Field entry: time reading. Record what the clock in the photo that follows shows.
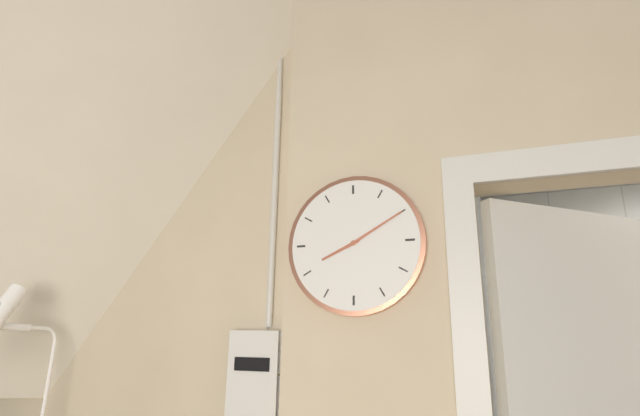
8:10
